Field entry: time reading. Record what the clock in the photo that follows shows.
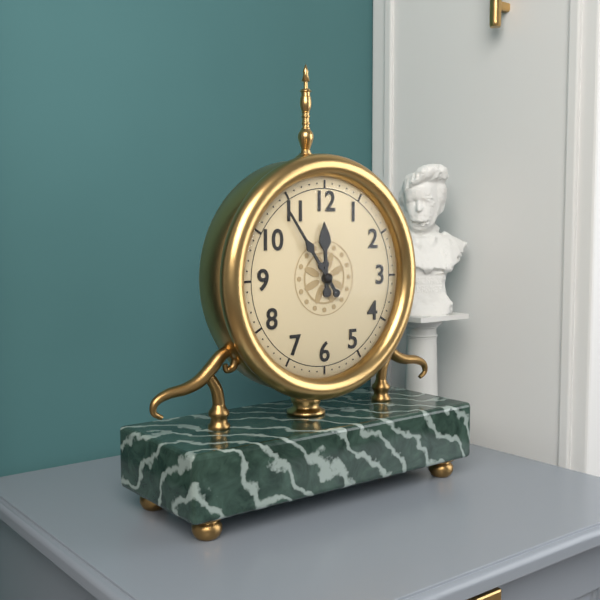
11:54
